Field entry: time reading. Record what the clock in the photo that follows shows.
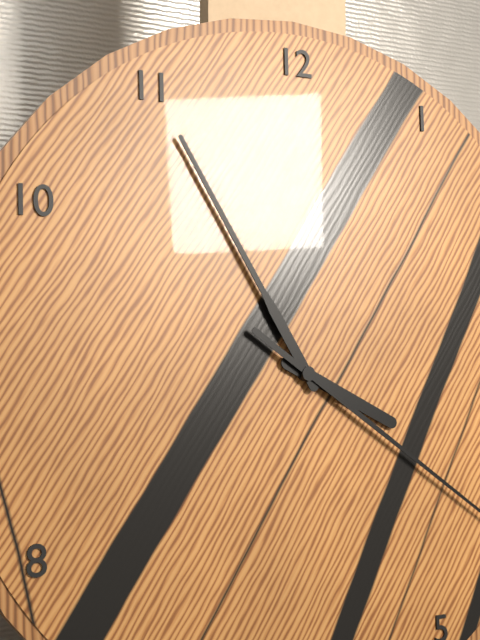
3:55
